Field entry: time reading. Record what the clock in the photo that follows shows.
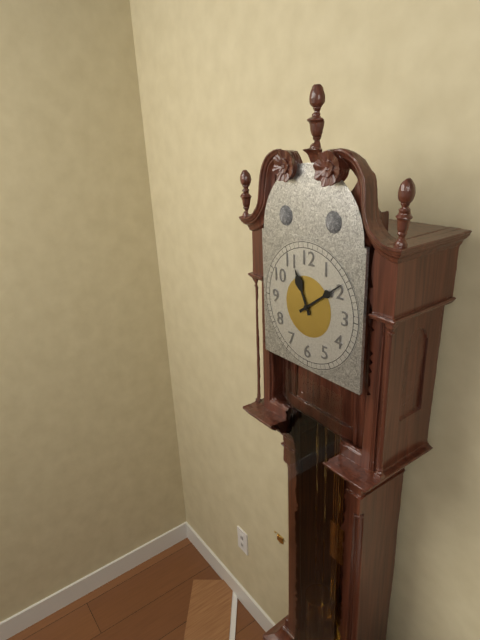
11:09
